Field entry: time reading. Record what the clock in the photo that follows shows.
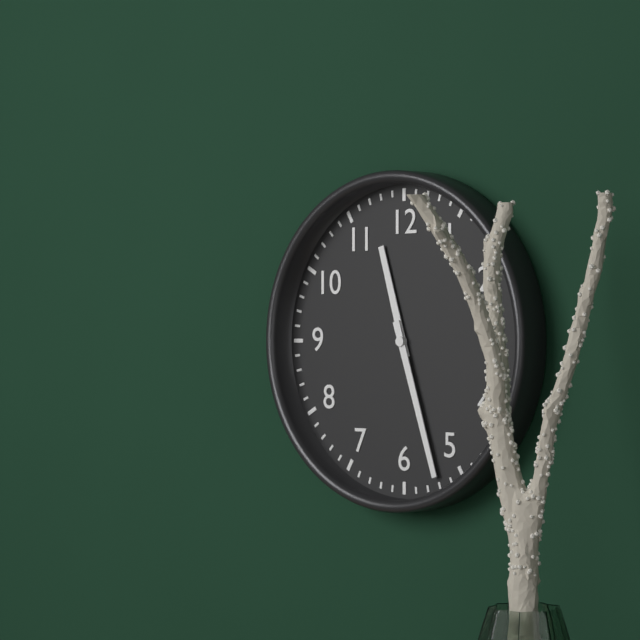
11:27
